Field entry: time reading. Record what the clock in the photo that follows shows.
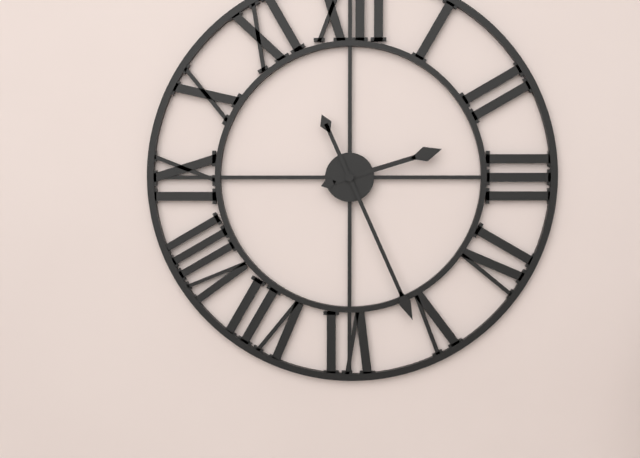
2:26
